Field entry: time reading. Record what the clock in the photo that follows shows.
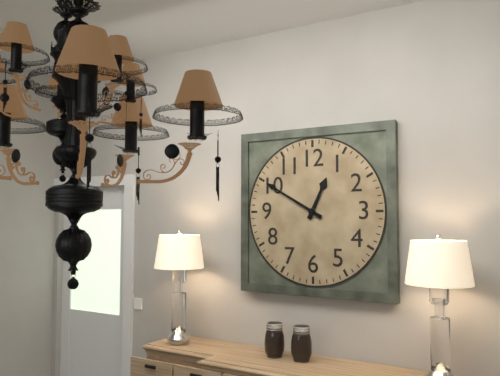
12:50
